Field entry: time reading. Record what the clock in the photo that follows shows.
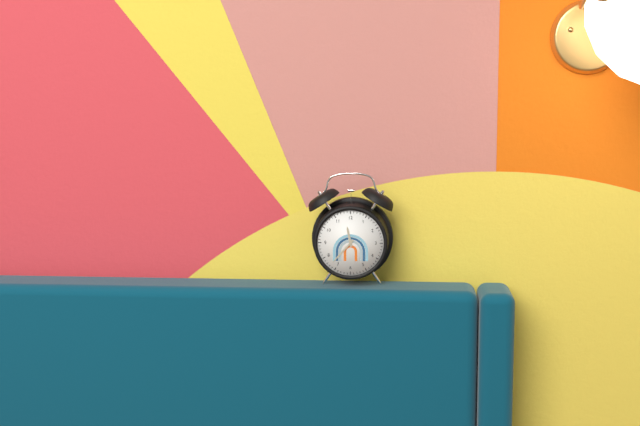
11:37
